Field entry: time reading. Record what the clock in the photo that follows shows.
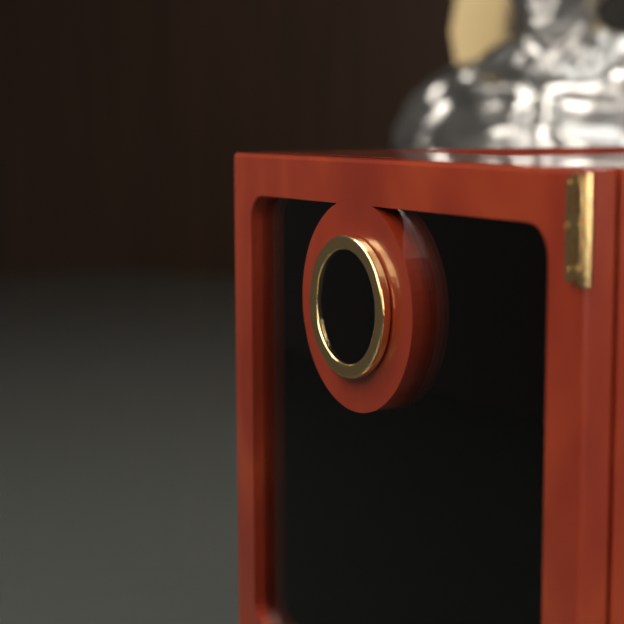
4:19
